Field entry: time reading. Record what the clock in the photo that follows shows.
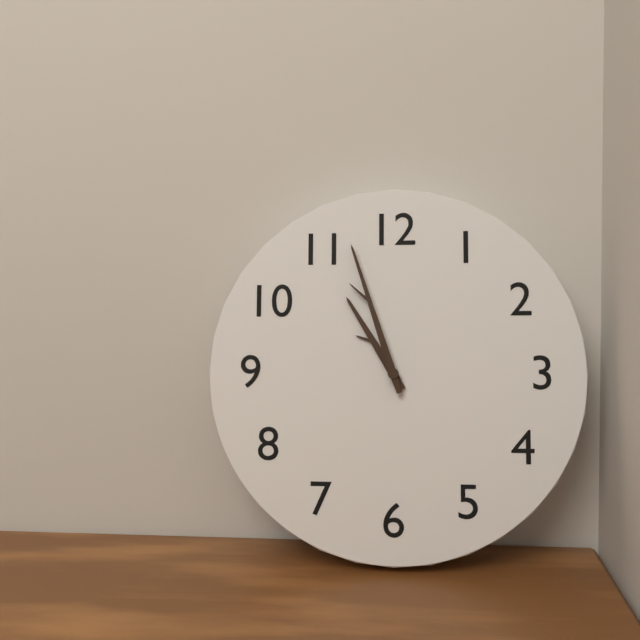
10:57
